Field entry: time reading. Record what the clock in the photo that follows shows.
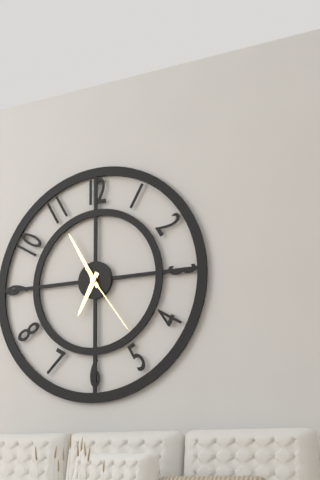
6:55:24
